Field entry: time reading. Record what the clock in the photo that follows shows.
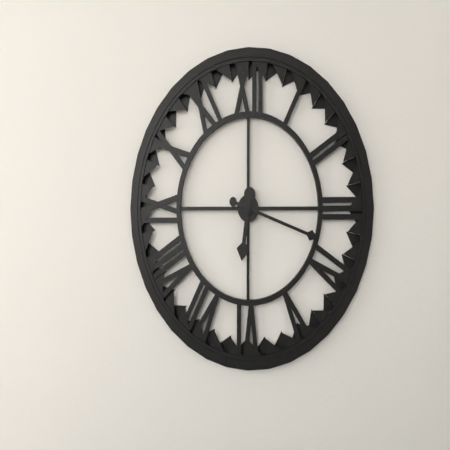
6:18
